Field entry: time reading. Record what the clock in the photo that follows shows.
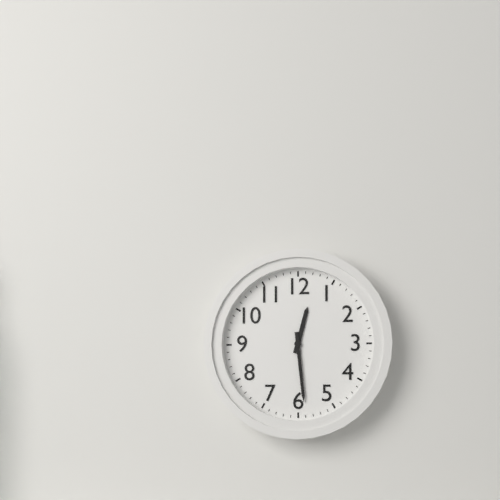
12:29
